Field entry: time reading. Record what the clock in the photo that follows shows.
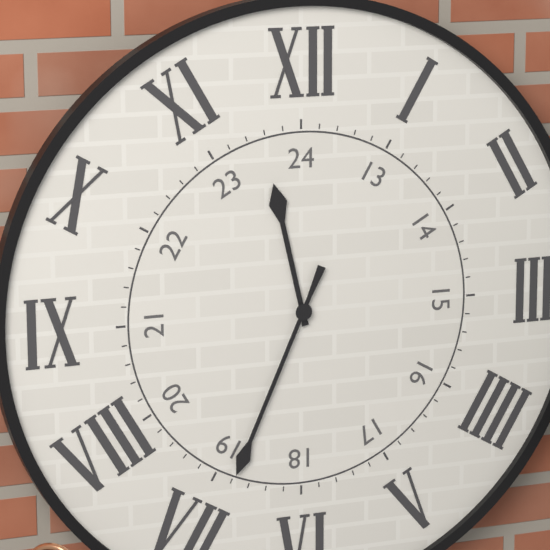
11:34
